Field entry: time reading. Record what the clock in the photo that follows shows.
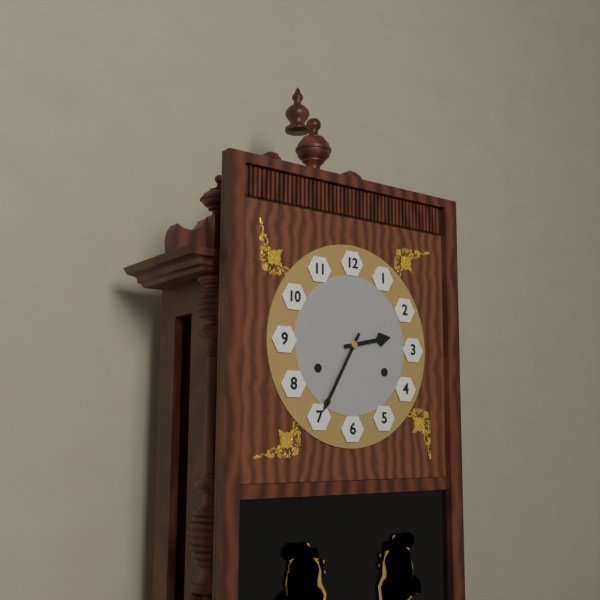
2:35
